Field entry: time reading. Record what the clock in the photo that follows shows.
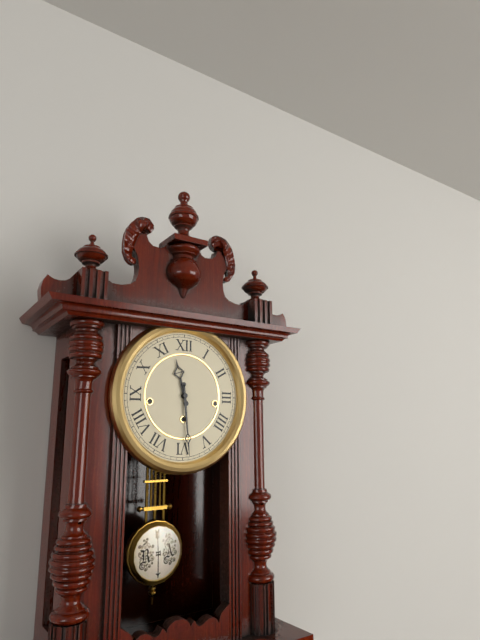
11:29
